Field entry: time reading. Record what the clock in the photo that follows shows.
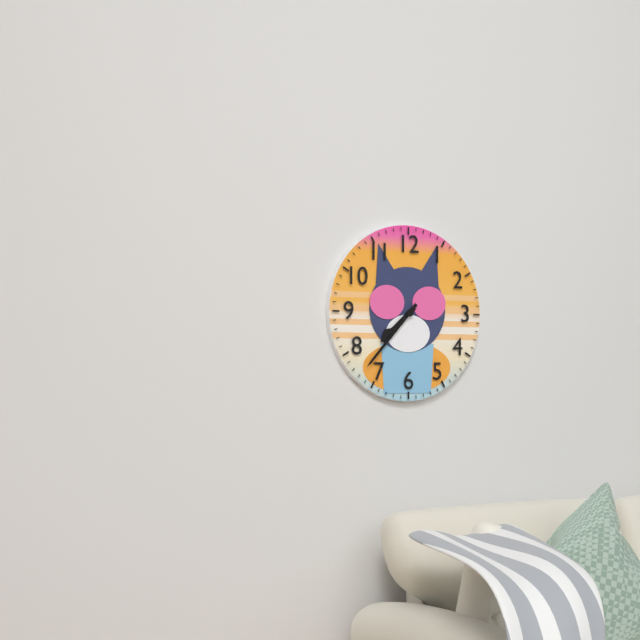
7:37
